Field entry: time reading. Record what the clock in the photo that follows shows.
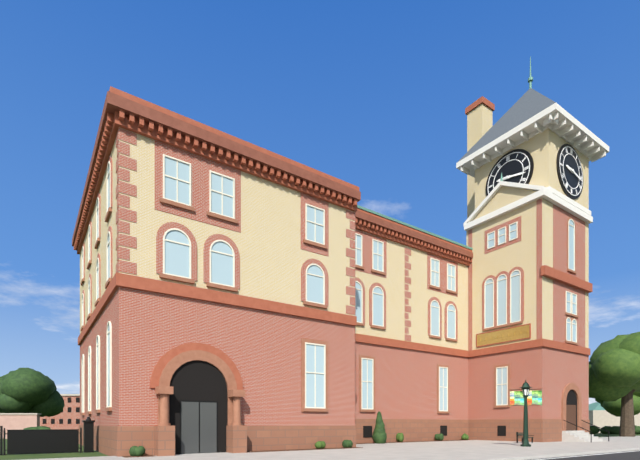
9:17
